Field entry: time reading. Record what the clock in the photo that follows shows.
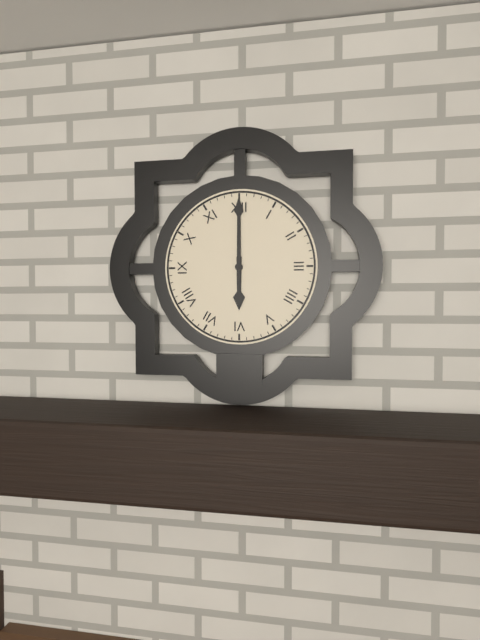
6:00
